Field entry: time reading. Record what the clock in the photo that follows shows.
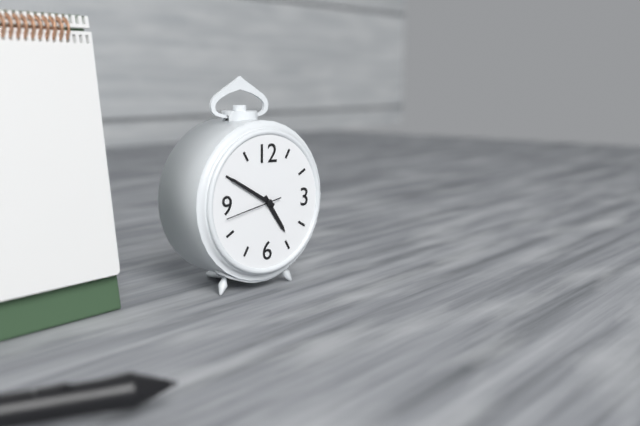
4:50:43
